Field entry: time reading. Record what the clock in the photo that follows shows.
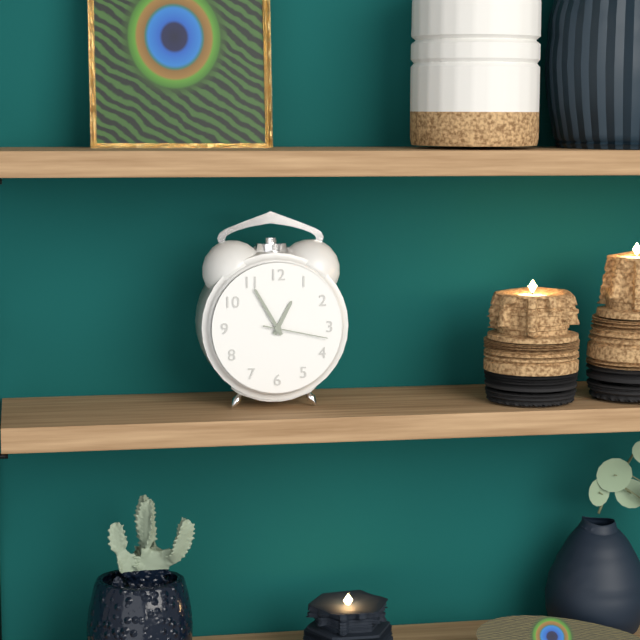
12:55:17
